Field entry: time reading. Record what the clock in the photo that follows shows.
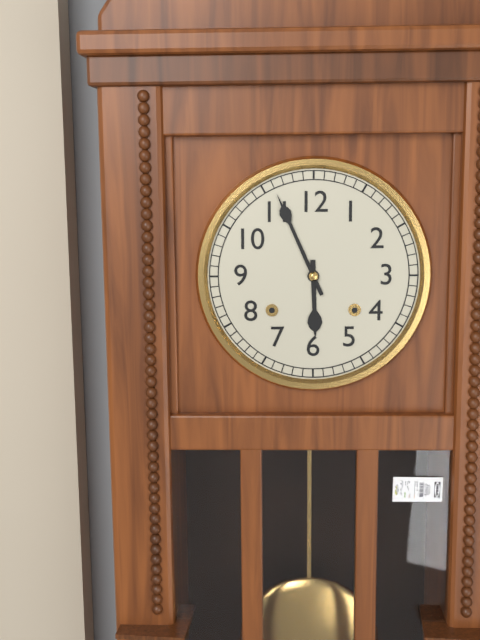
5:56
